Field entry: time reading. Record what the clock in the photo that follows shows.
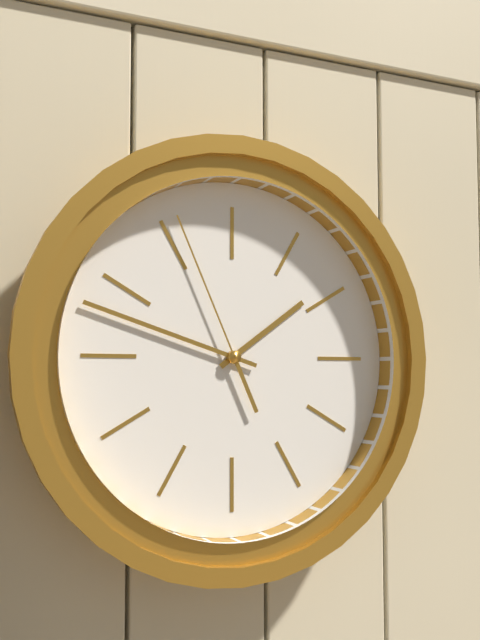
1:48:56
